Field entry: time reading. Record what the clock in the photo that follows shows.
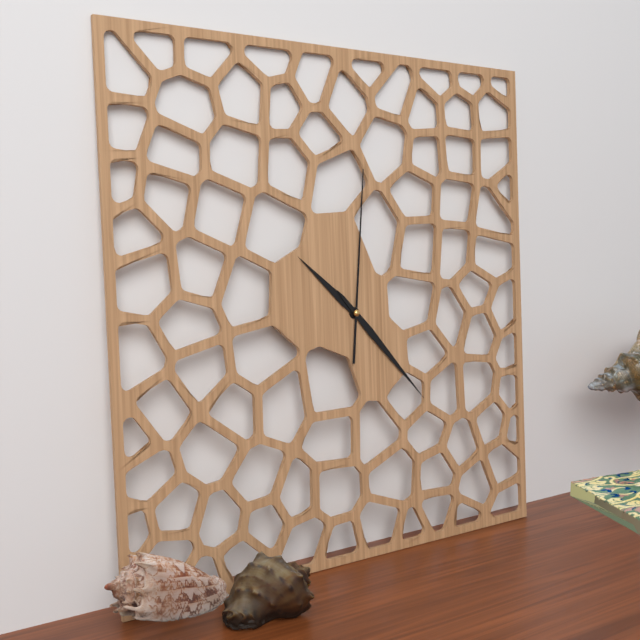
10:23:01
